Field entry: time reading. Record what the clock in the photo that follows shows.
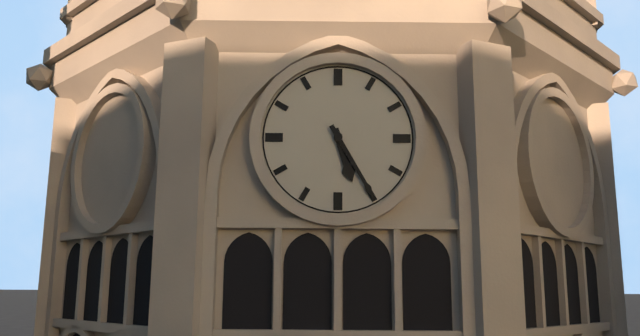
5:25
